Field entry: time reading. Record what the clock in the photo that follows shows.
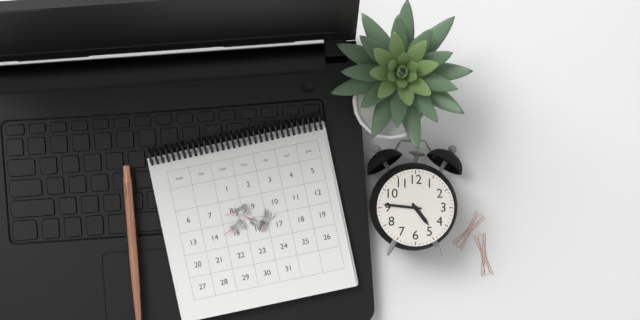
4:46
